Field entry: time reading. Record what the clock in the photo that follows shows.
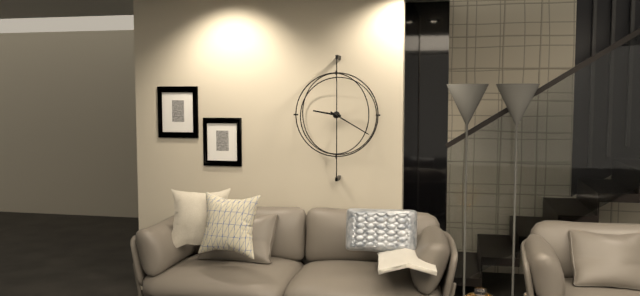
9:20
